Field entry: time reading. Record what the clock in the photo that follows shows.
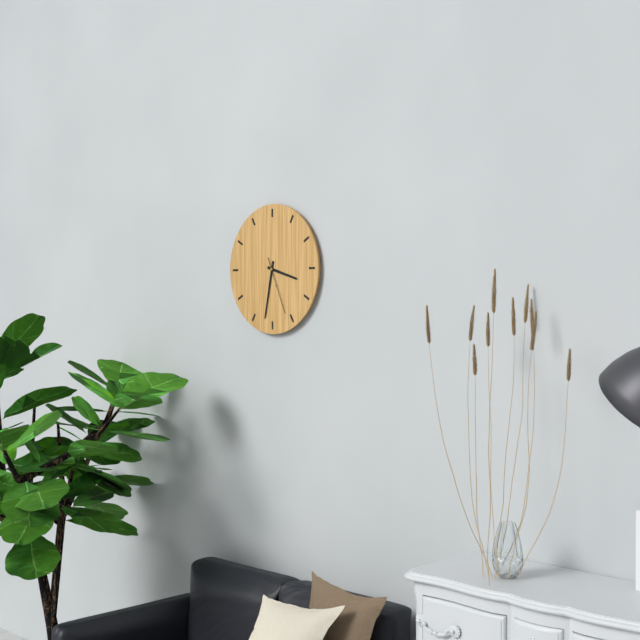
3:32:26
